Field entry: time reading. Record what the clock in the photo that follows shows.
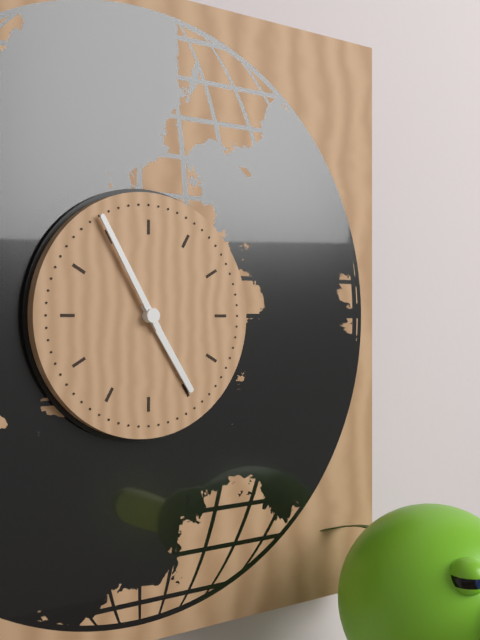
4:55
